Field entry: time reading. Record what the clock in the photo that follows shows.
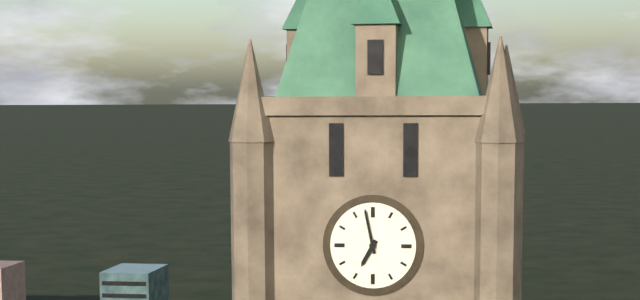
6:58
